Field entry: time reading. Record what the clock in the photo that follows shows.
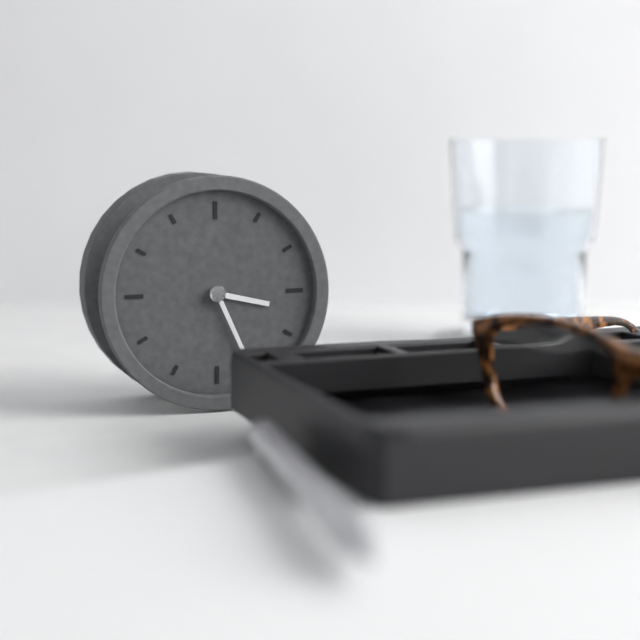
3:26
